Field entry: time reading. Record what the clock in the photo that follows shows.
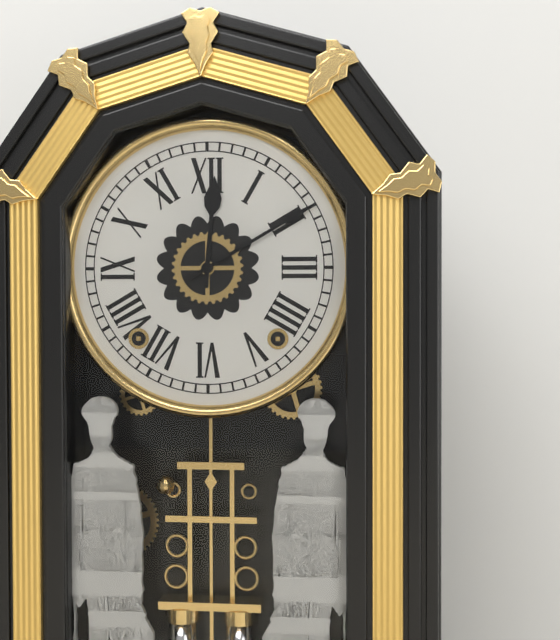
12:10
